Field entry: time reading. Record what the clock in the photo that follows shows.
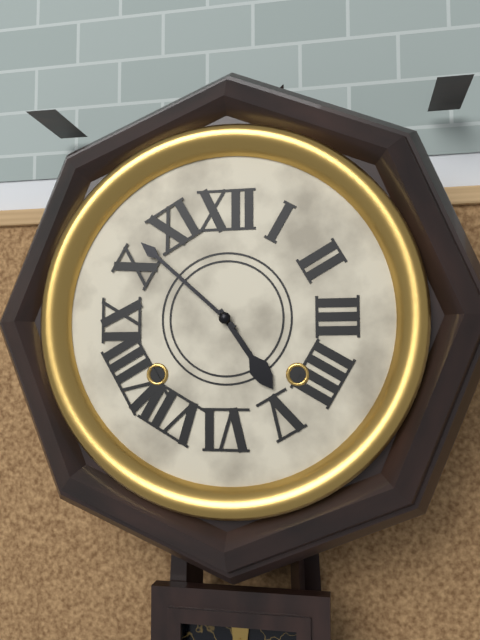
4:52
